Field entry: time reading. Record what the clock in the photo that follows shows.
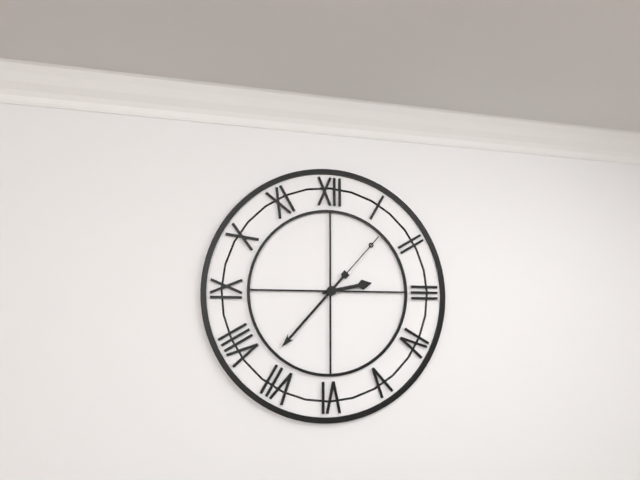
2:37:07
